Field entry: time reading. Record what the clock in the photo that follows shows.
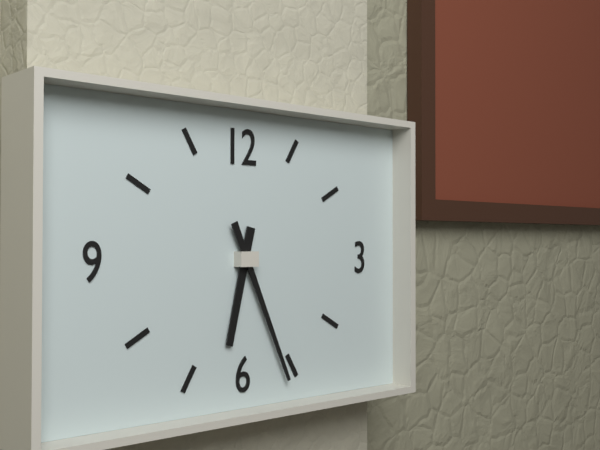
6:26
